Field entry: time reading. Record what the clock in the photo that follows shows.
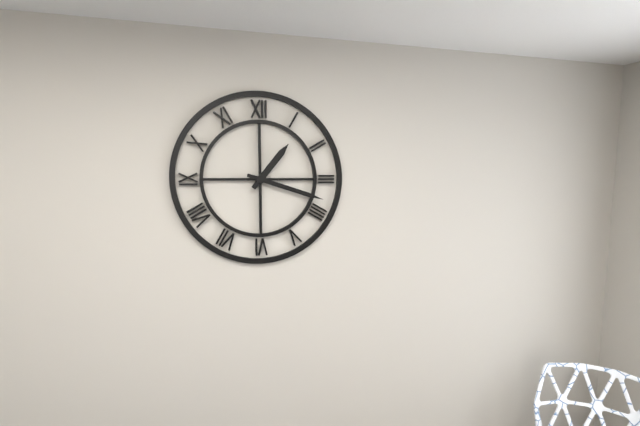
1:18
